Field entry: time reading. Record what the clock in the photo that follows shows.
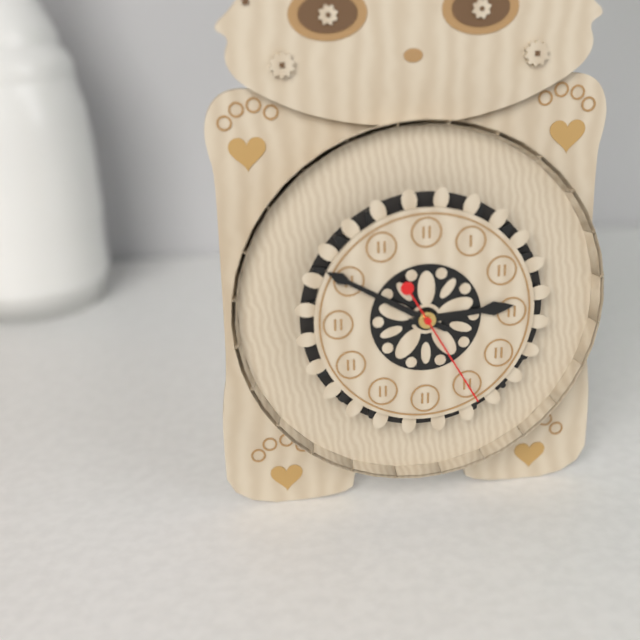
2:50:25
